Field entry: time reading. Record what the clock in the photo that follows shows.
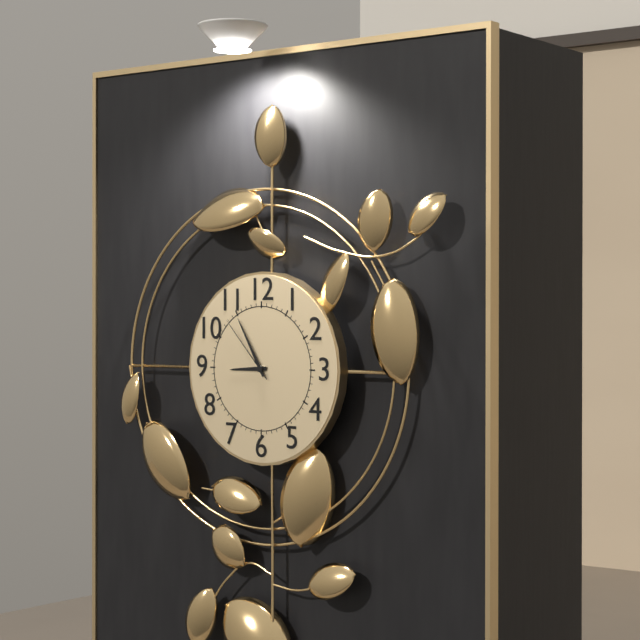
8:55:53
